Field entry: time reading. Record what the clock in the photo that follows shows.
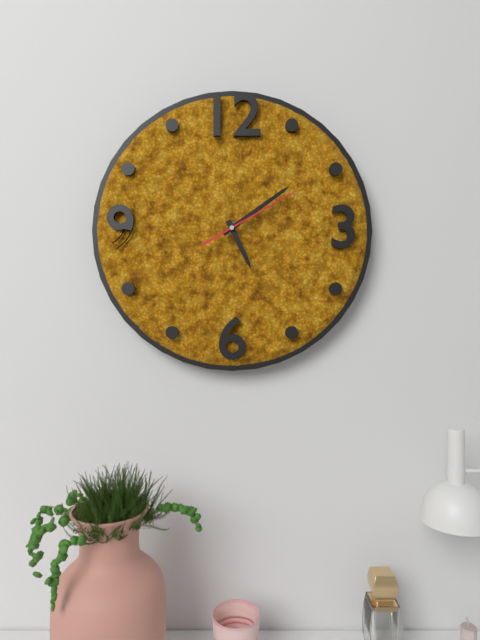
5:09:10
